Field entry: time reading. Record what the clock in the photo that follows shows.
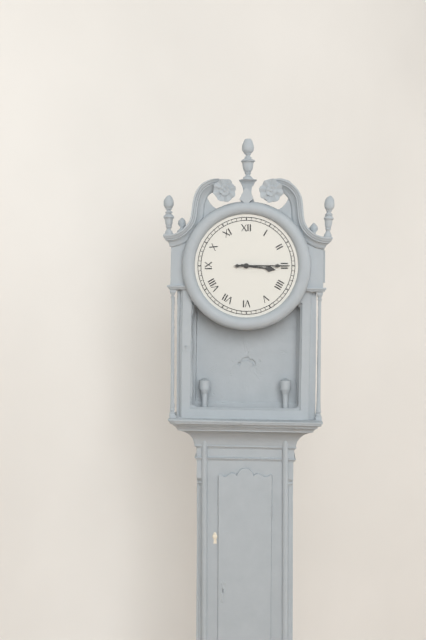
3:15
